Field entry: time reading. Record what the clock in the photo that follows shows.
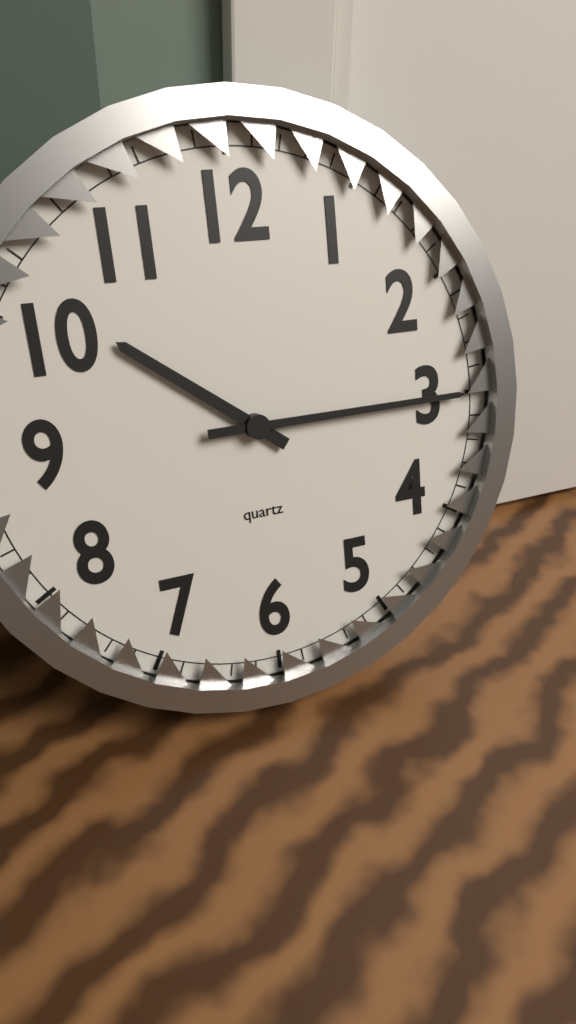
10:15
